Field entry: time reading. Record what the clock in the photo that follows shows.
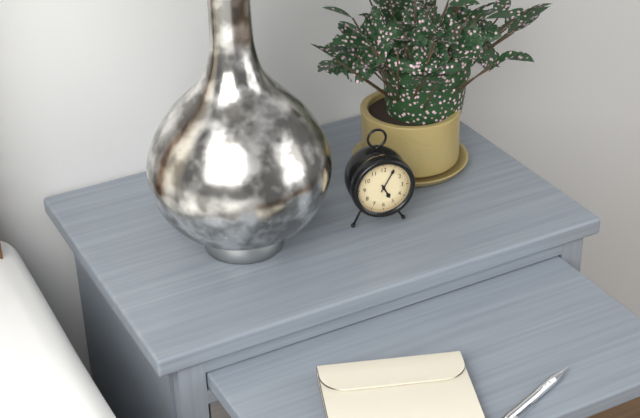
5:05
